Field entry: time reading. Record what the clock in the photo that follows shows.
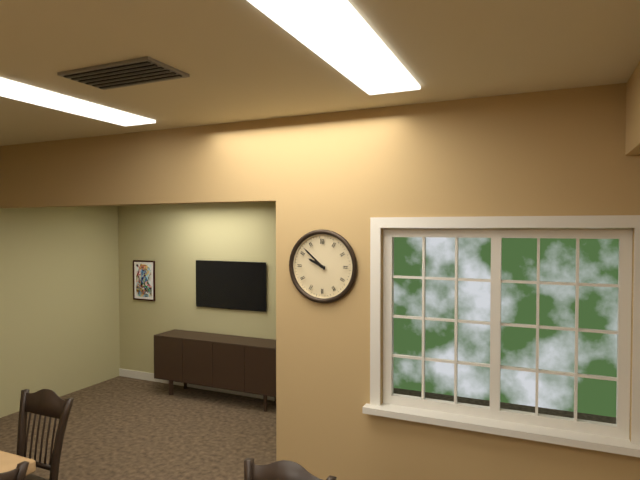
9:52
